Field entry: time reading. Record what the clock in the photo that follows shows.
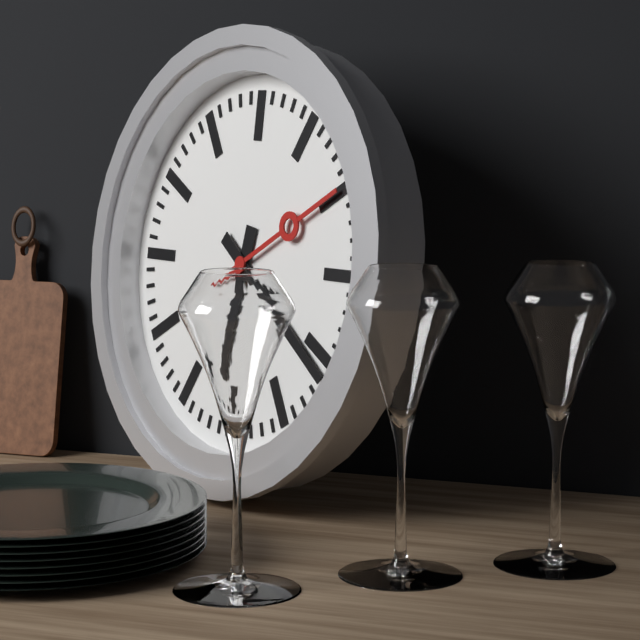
6:21:10
